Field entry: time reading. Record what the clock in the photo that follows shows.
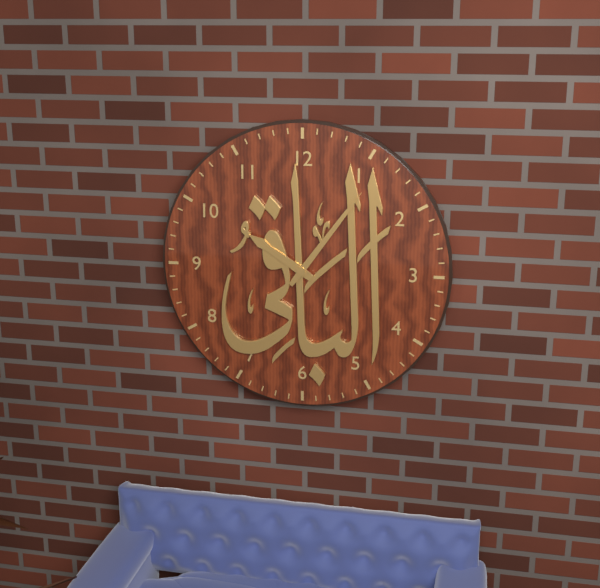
10:06
